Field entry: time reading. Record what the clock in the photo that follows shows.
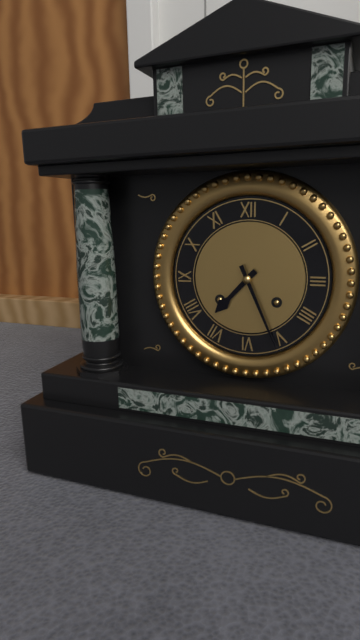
7:26
